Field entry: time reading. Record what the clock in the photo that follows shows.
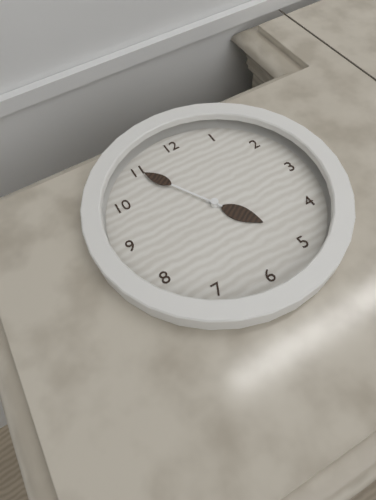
4:55
